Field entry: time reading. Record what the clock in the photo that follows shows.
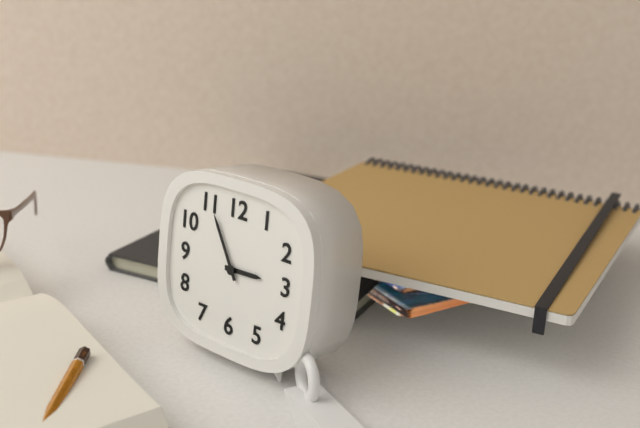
2:55
